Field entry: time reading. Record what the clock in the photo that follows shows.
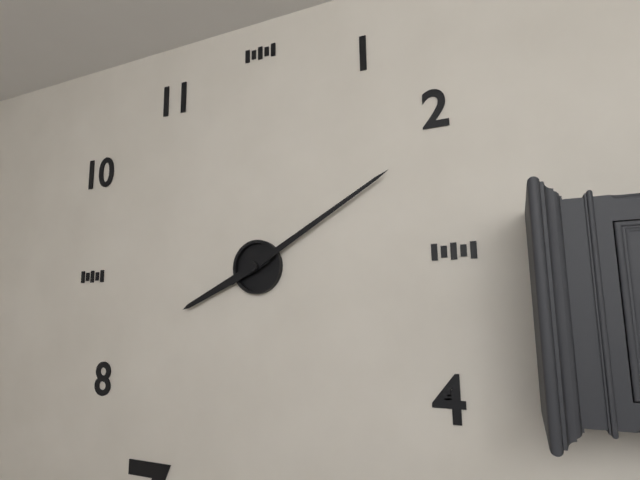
8:10
